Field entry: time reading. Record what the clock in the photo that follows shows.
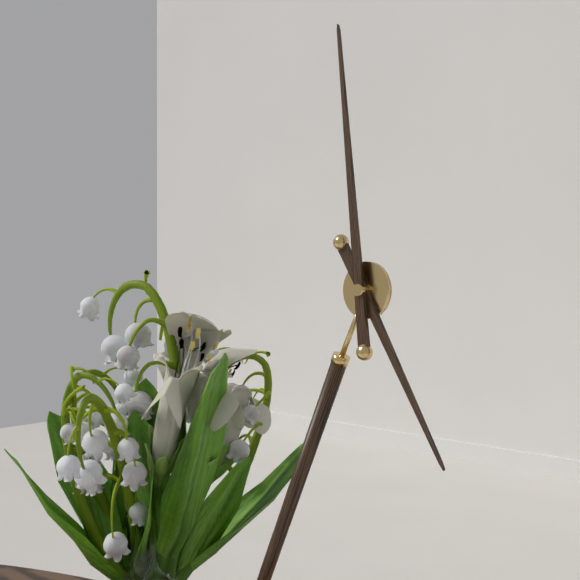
4:59
